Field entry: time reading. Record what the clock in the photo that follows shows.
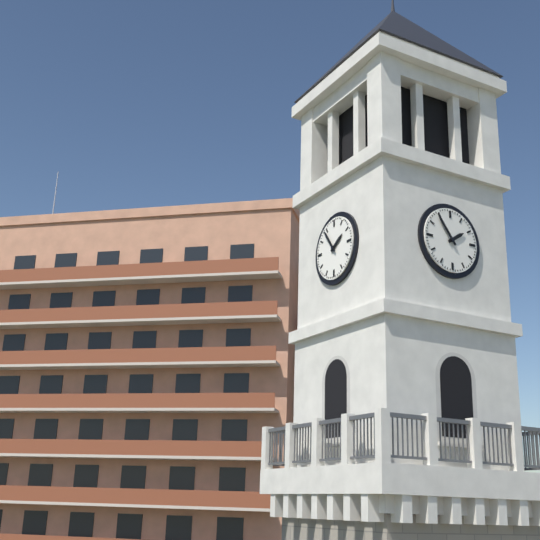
1:54
